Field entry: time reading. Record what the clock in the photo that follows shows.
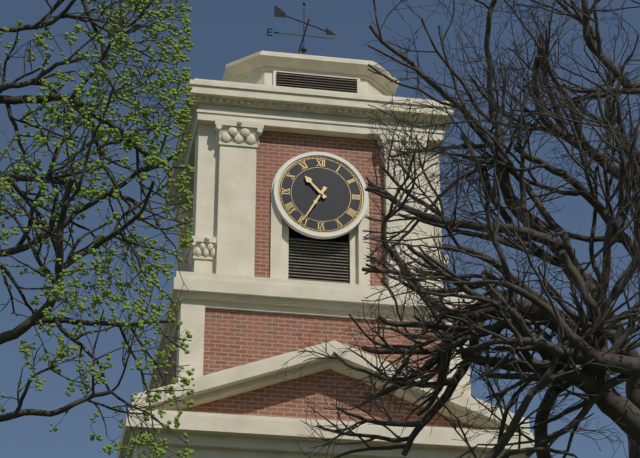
10:35
